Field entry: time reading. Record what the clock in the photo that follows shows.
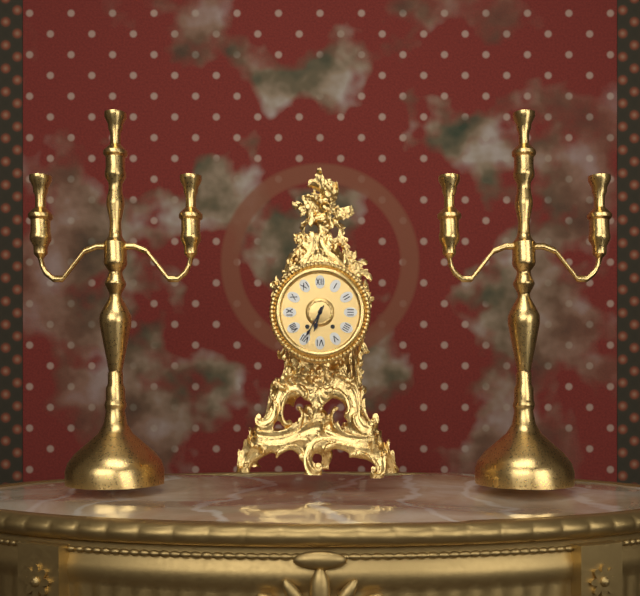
6:35
